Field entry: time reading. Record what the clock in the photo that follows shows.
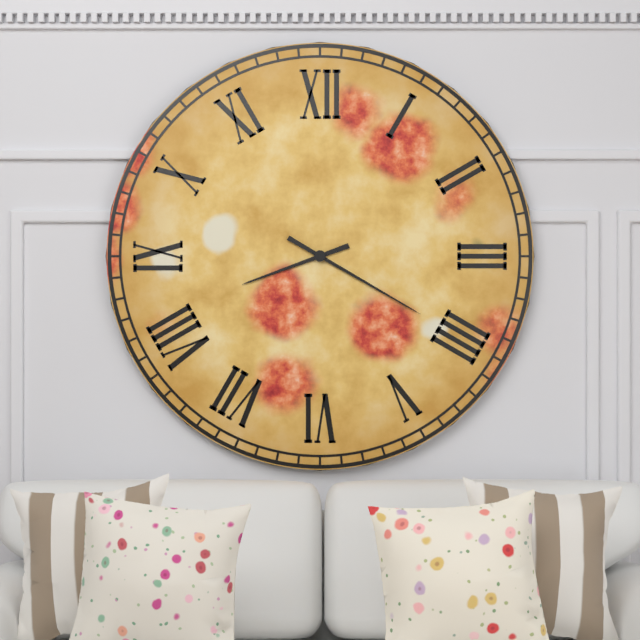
8:20
